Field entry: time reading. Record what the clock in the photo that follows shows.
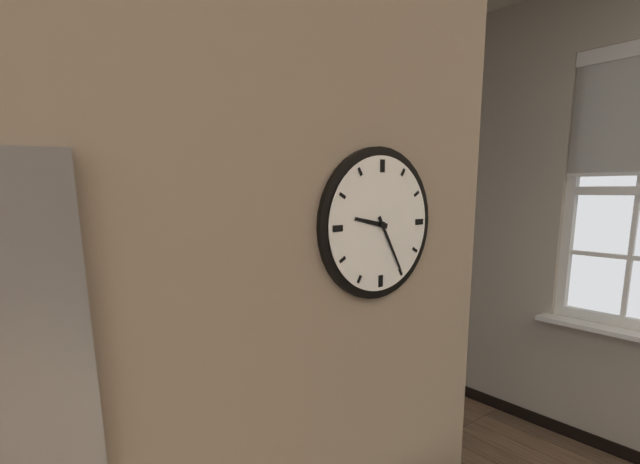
9:25
